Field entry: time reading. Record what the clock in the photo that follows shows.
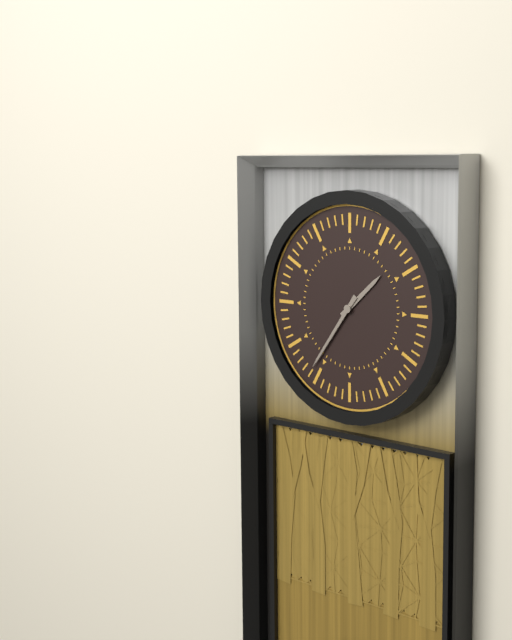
1:36
